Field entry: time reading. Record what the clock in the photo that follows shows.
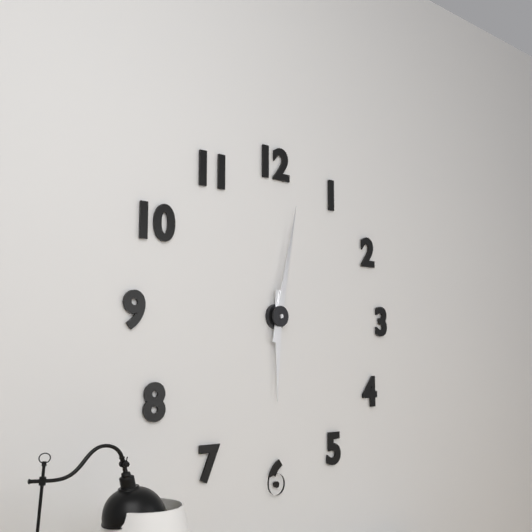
6:02
